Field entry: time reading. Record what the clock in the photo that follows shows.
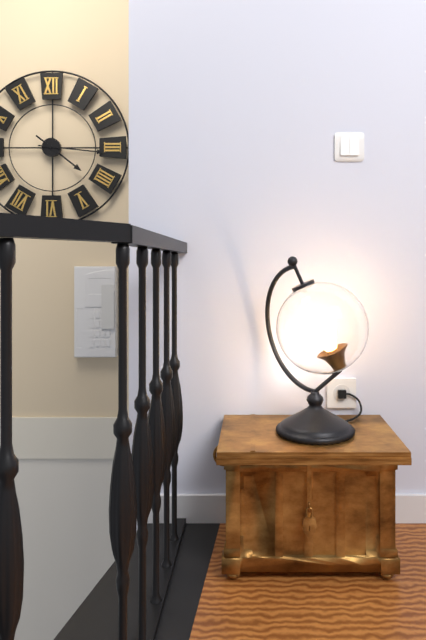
4:16
